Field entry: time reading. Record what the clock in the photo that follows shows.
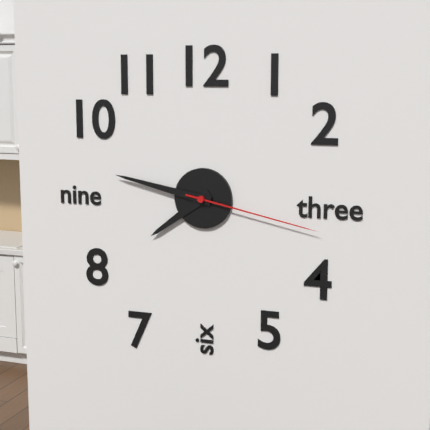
7:47:17
